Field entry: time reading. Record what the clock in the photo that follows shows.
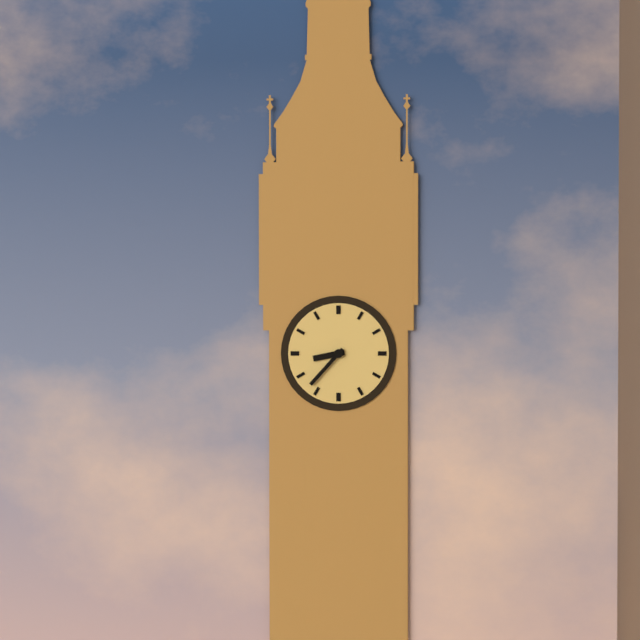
8:37
